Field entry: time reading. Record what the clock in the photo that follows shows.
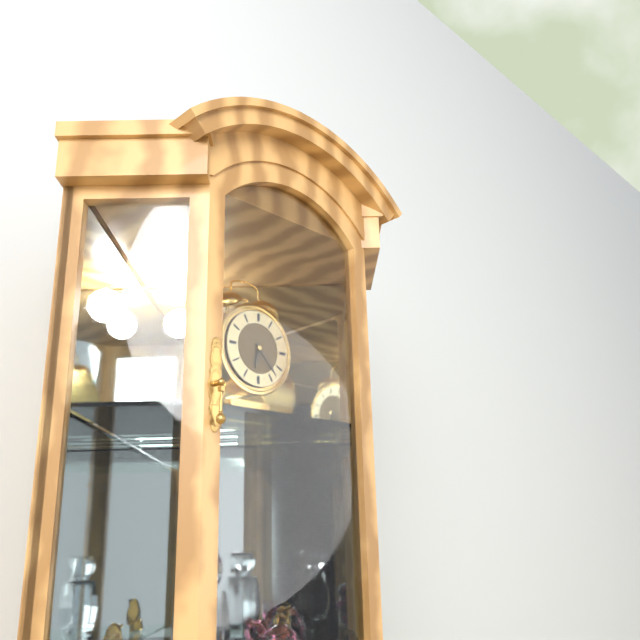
6:23
